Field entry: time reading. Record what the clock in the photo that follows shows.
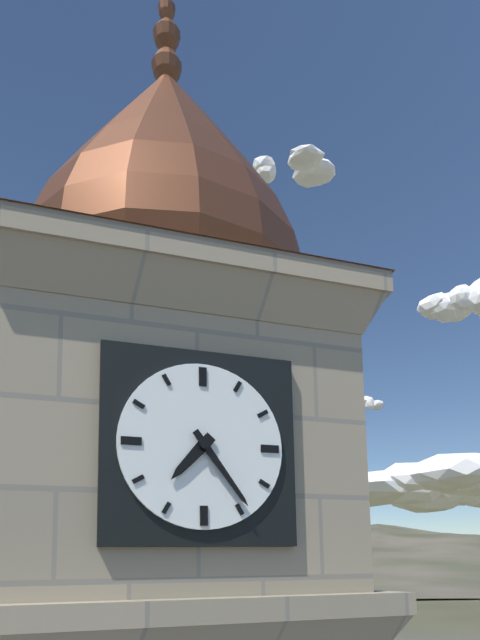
7:24
